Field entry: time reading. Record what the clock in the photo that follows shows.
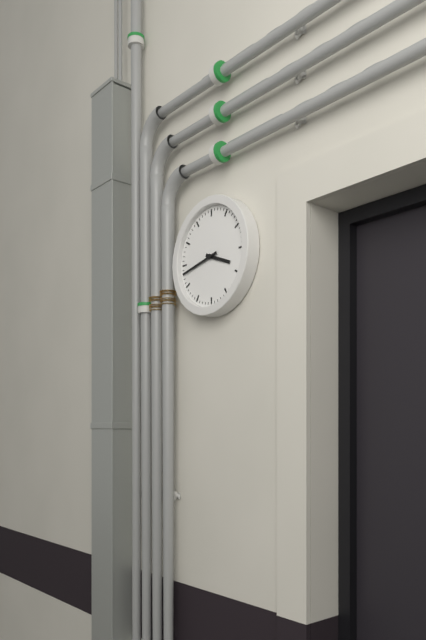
3:43
